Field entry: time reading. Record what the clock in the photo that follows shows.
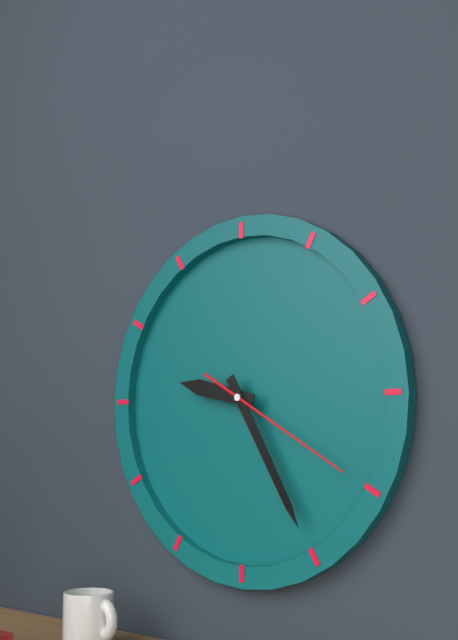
9:25:20
